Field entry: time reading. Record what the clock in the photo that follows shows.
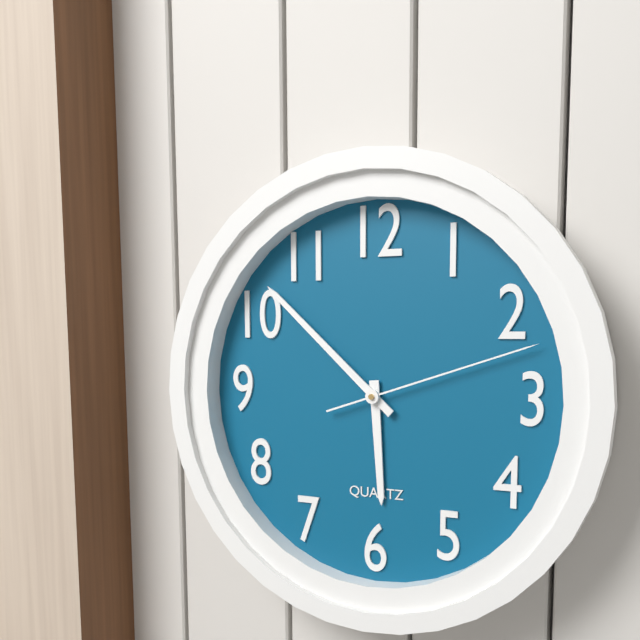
5:52:12
